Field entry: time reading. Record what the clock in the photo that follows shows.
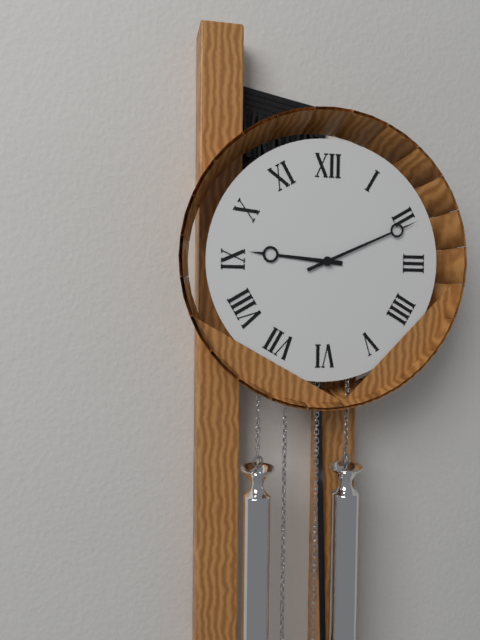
9:11
